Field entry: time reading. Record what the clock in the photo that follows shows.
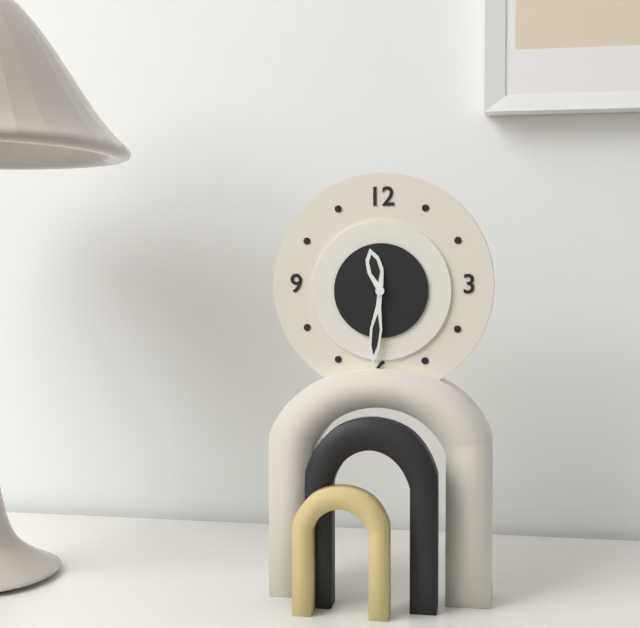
11:31
